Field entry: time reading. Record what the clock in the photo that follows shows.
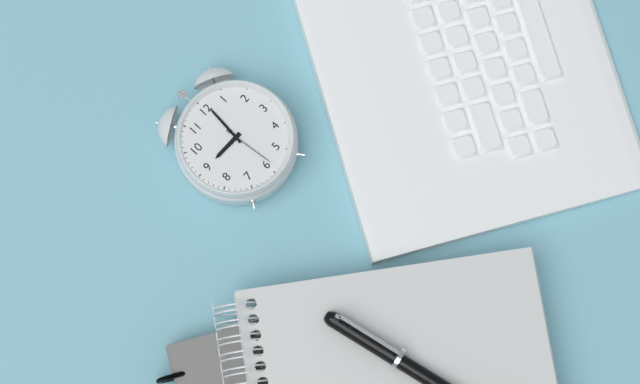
9:01:29
